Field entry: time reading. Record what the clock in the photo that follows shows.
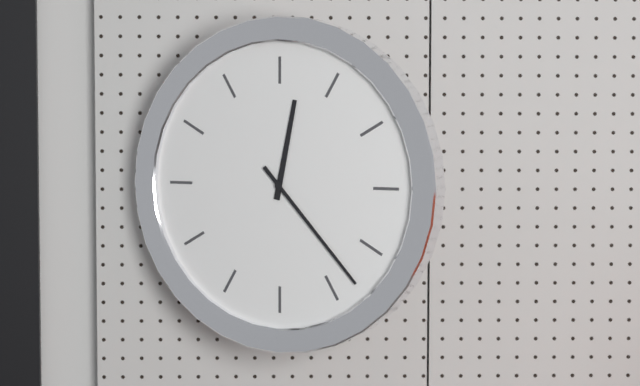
12:23
